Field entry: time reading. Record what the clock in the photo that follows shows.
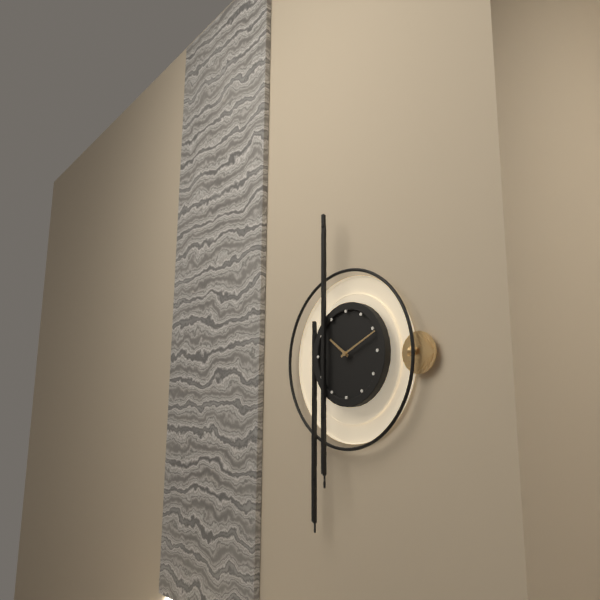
10:11
